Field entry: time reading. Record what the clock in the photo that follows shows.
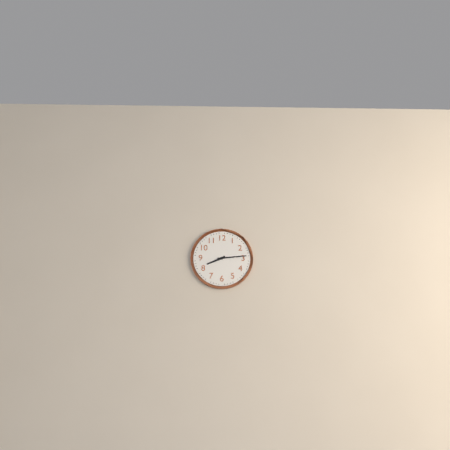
8:14
